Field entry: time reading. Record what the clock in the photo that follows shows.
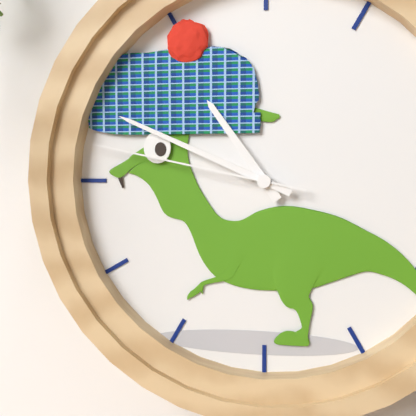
10:49:47
